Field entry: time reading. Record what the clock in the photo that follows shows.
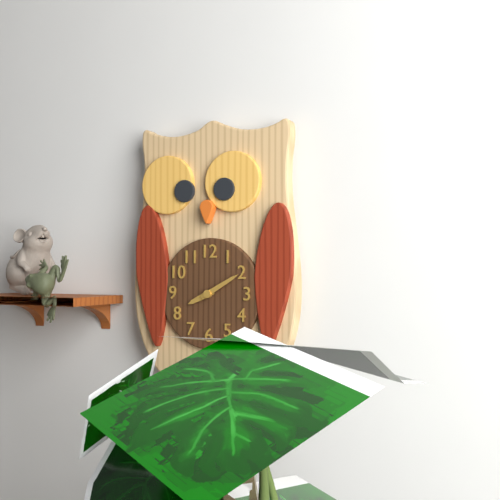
8:10
